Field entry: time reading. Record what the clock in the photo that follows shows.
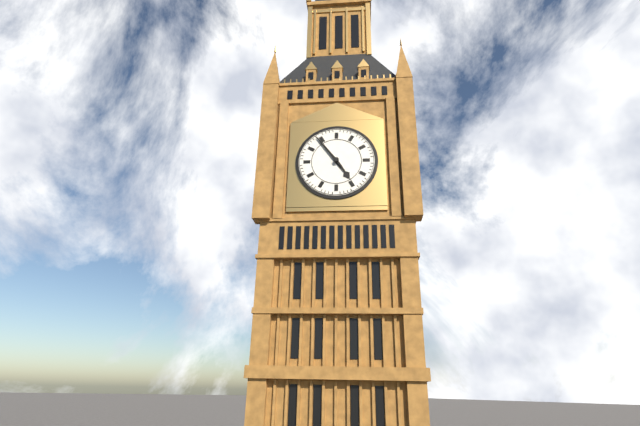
4:54
